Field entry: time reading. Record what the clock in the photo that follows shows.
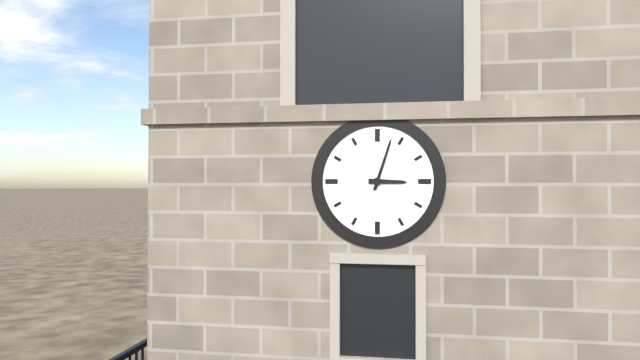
3:03
